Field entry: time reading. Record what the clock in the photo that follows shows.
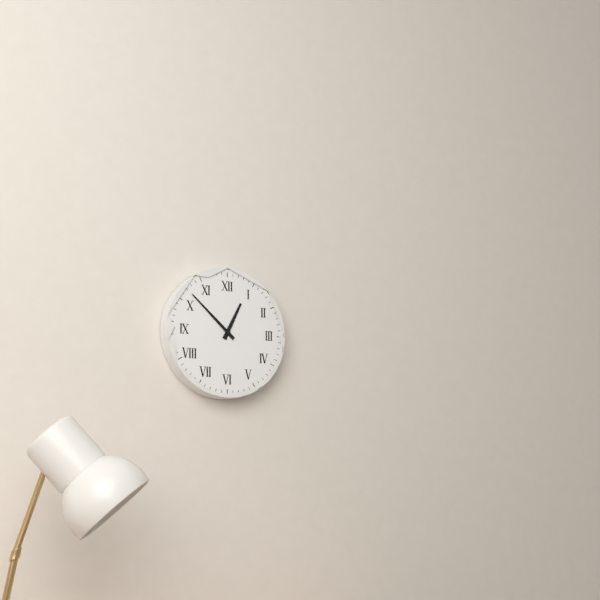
12:52
